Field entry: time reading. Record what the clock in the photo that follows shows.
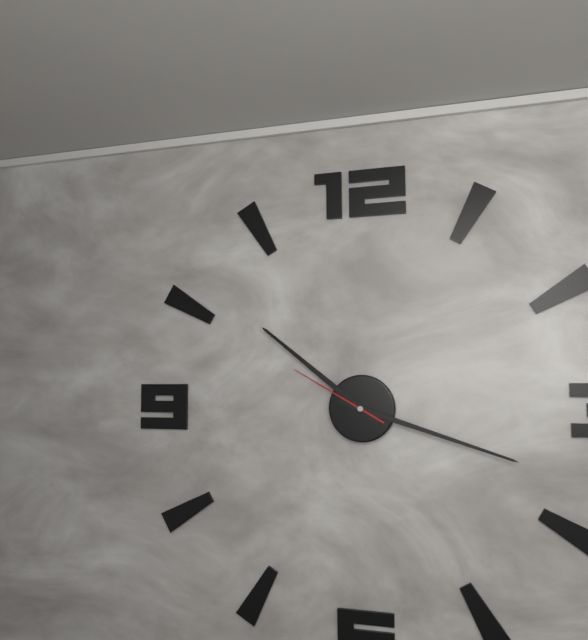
10:18:50
